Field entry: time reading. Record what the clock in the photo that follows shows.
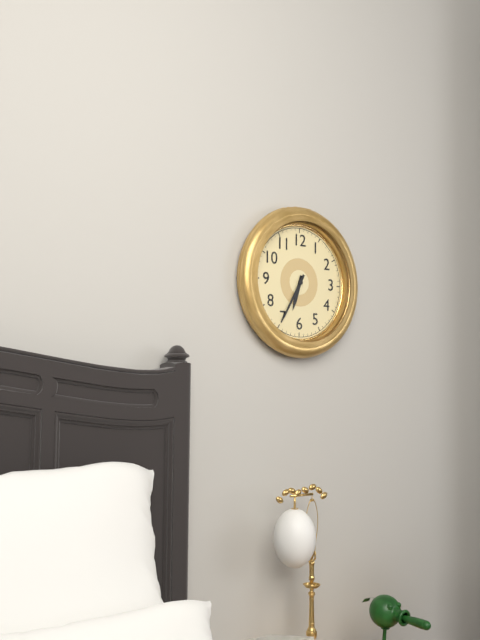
6:35
